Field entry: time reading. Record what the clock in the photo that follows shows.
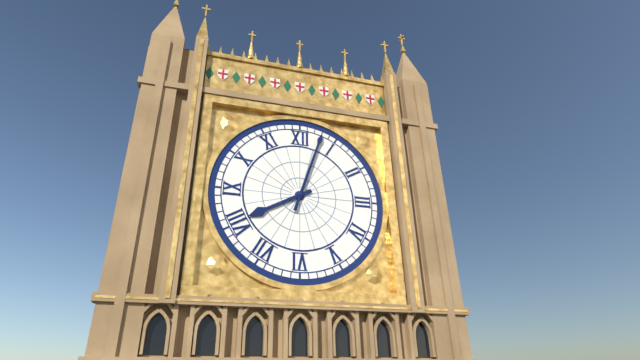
8:03
